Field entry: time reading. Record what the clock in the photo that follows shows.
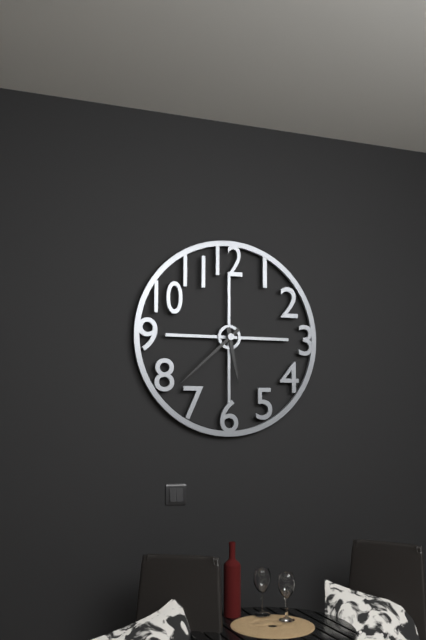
5:38
